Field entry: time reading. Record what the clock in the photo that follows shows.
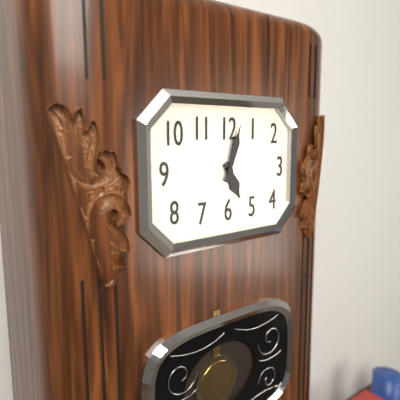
5:03
